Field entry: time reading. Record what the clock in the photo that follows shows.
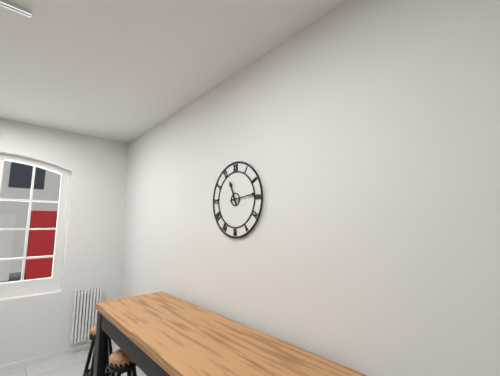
11:14
